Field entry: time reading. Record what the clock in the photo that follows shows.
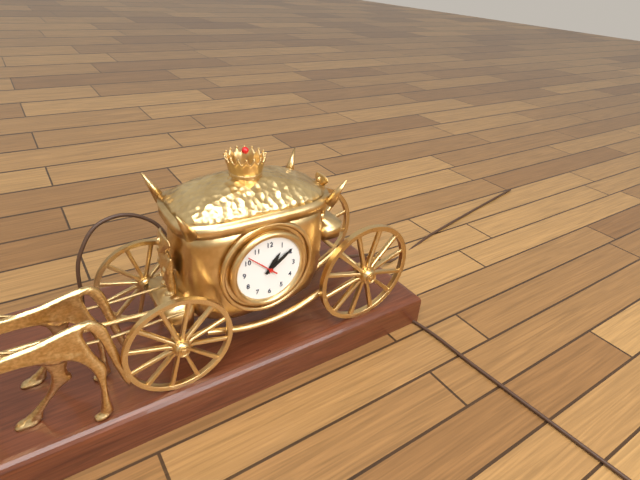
1:09
